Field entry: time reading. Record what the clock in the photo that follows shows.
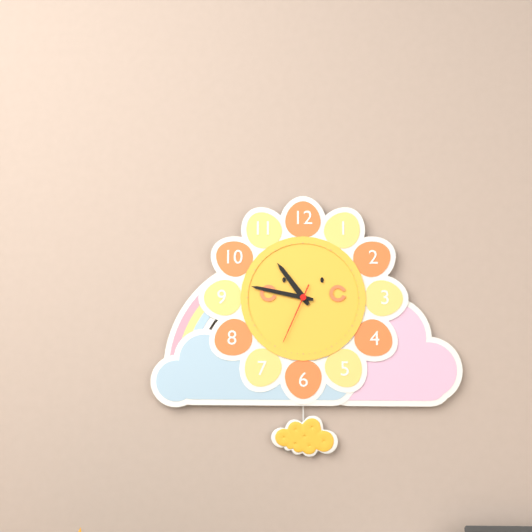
10:47:34
